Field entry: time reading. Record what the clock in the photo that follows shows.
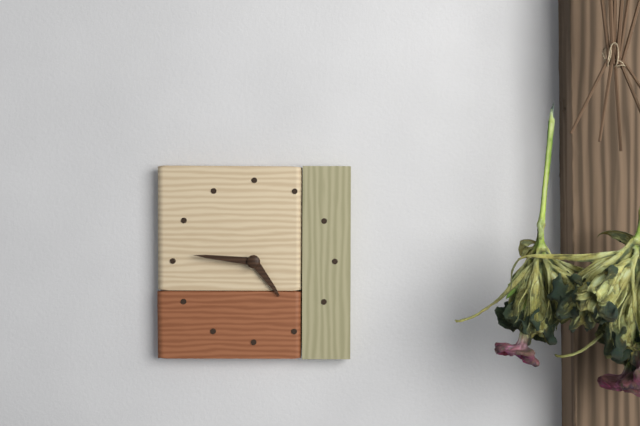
4:46
